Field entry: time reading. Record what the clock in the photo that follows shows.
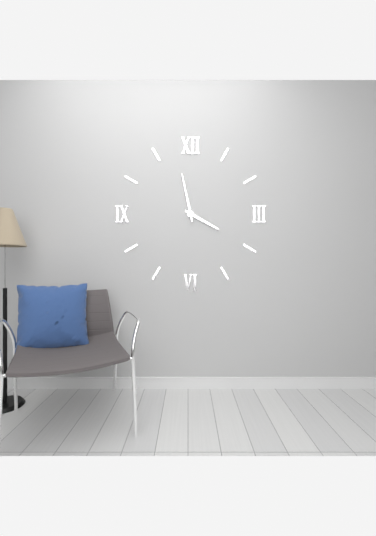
3:58
